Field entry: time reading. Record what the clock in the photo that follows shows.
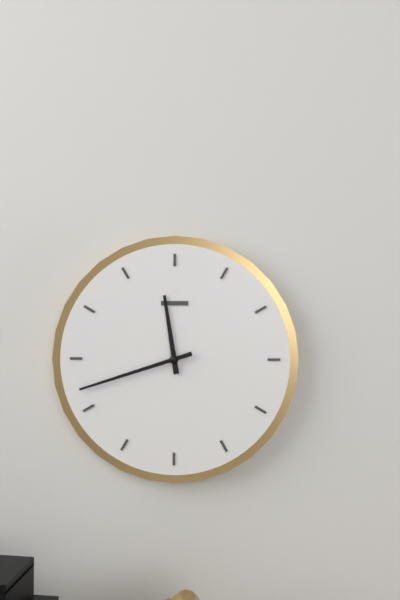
11:42
